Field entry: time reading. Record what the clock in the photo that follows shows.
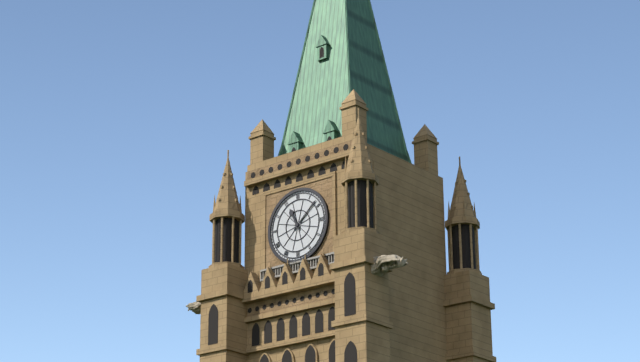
11:08
